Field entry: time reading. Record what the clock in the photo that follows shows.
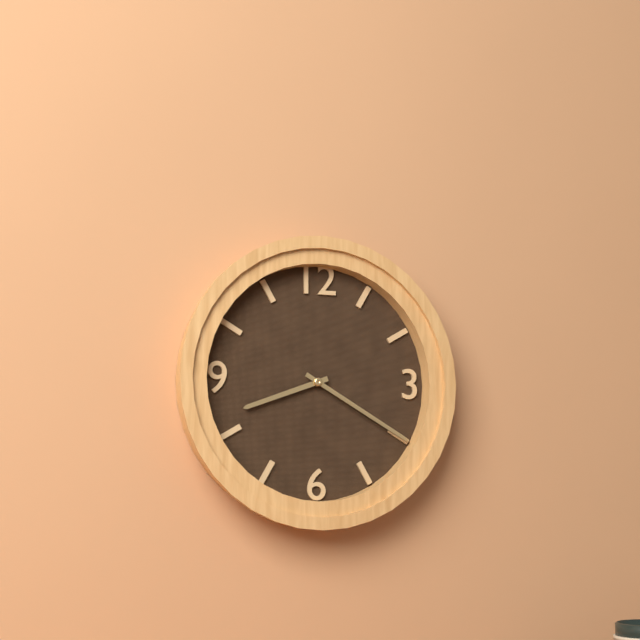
8:20
